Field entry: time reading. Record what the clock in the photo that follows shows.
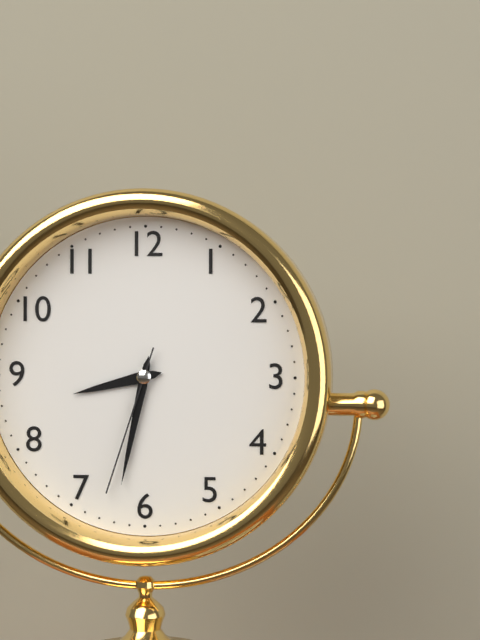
8:32:33
